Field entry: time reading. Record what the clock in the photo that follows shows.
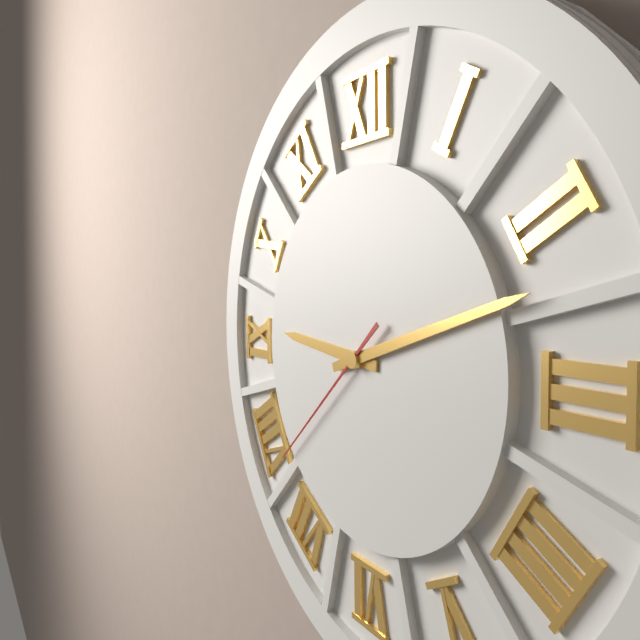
9:12:38
